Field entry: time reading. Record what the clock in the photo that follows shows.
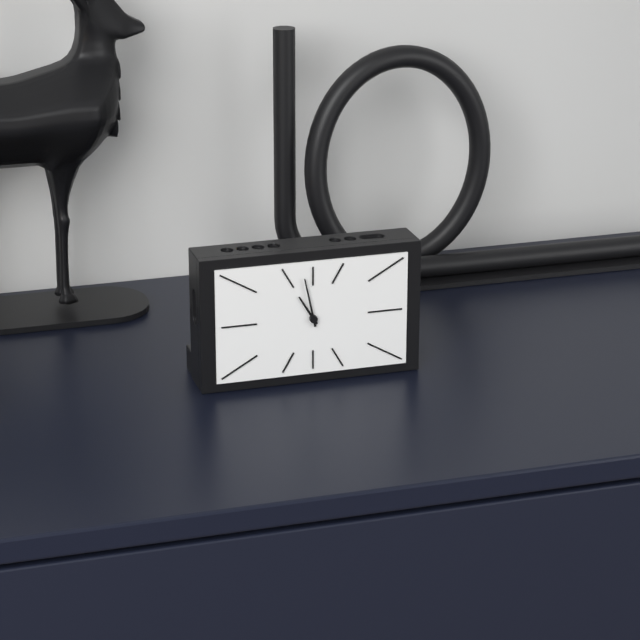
10:58
